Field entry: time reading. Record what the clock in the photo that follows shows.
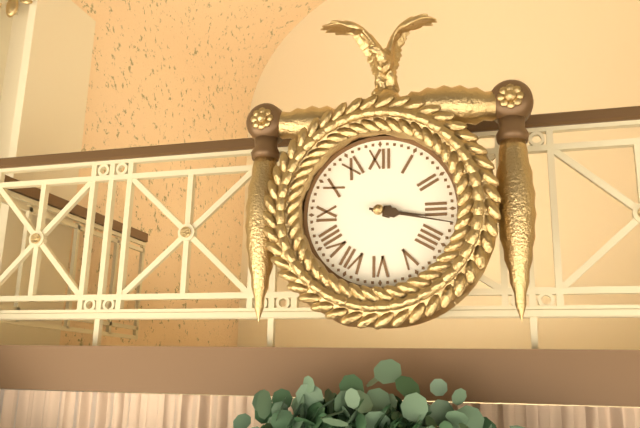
3:17
